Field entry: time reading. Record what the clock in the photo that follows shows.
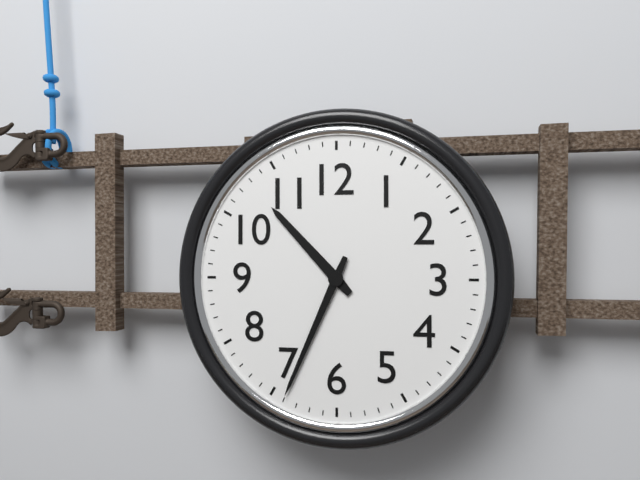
10:34
